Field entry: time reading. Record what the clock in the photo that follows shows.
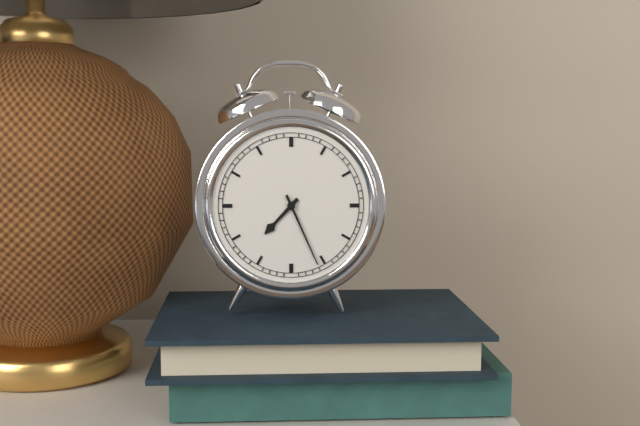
7:26
